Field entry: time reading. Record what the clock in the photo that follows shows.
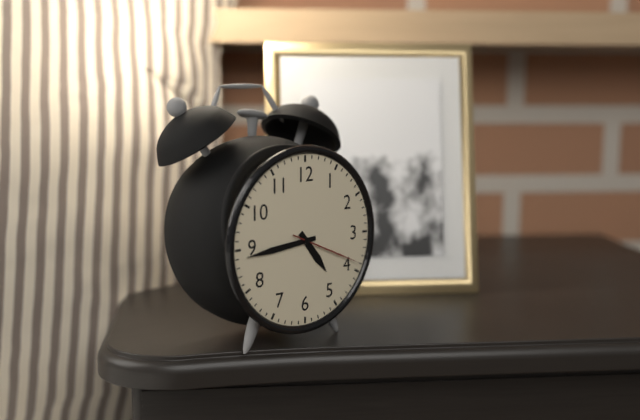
4:44:19
